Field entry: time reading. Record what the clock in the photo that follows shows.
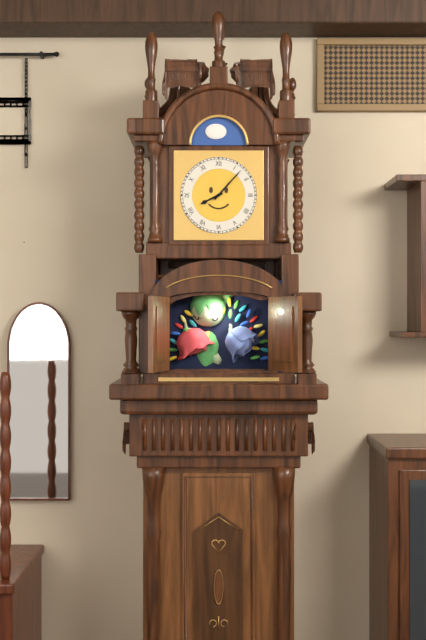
8:07
